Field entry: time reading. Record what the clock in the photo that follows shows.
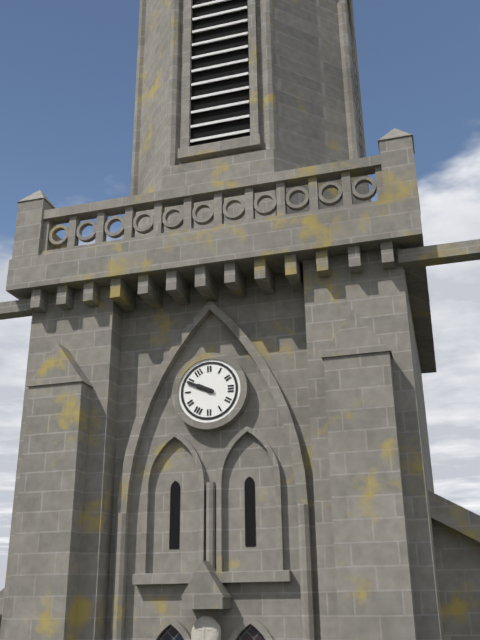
9:49
